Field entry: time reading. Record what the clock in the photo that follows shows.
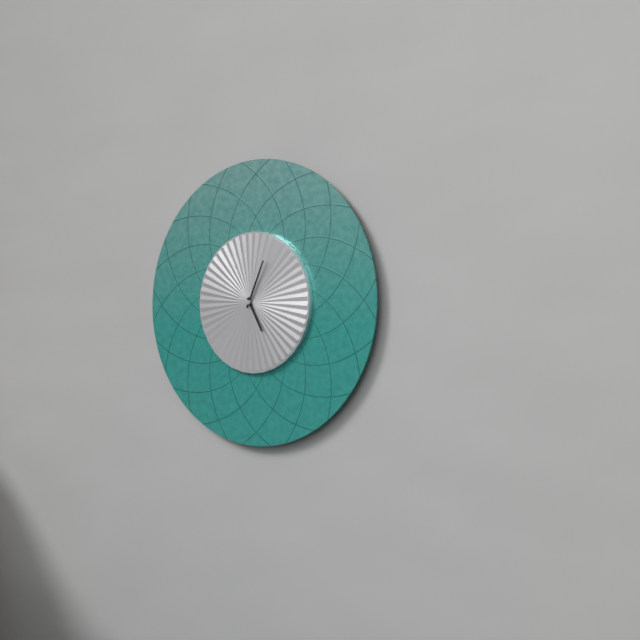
5:04
